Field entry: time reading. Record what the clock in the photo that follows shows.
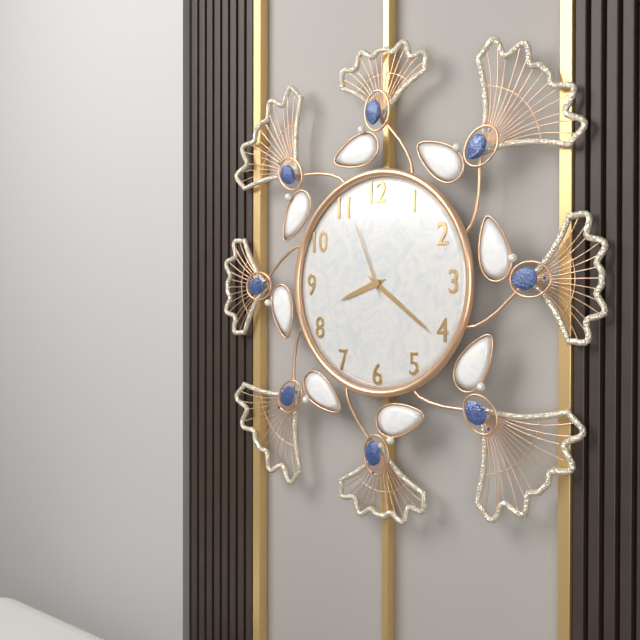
8:21:56
